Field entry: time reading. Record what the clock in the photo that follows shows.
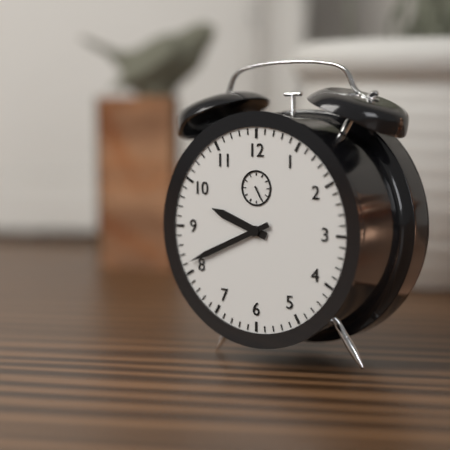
9:41
